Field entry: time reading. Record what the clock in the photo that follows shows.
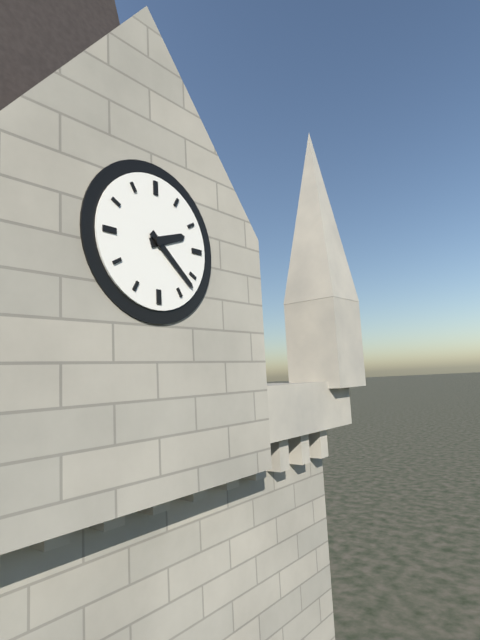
2:22
